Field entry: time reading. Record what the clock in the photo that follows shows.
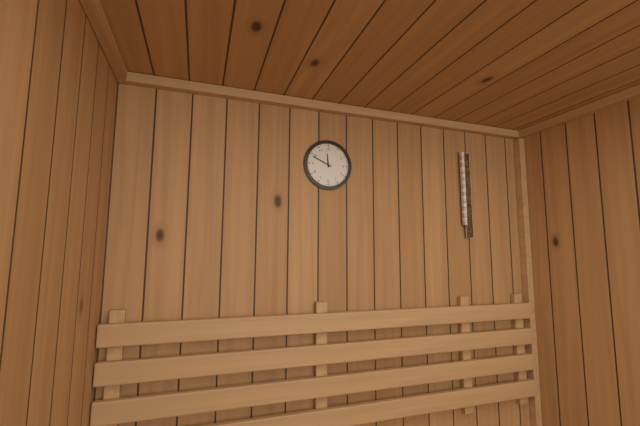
11:49
